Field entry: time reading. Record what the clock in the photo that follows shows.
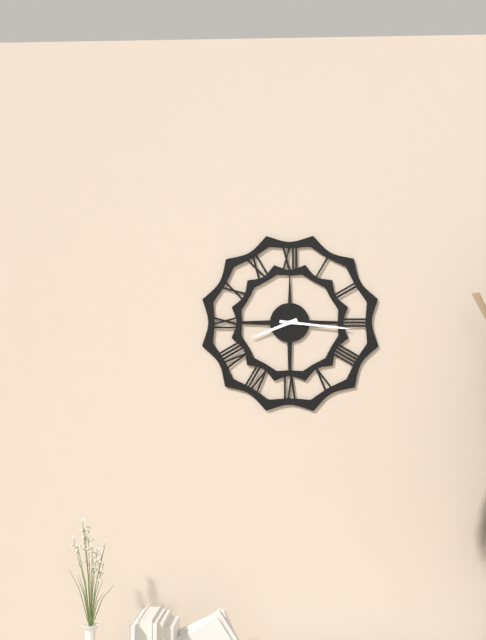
8:16
